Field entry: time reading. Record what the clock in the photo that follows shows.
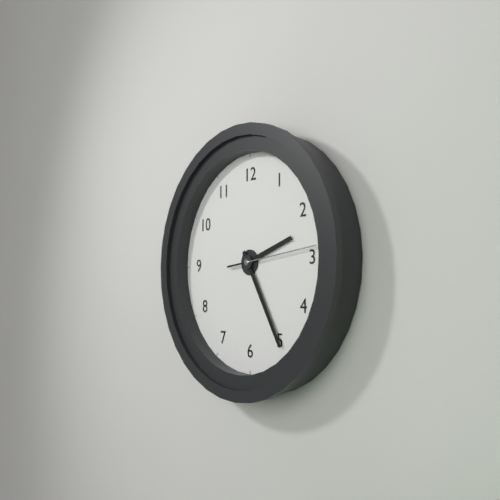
2:25:14
